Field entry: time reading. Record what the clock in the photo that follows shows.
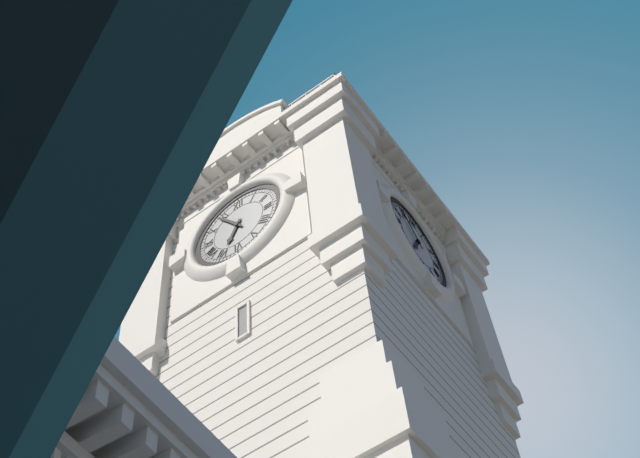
6:54
